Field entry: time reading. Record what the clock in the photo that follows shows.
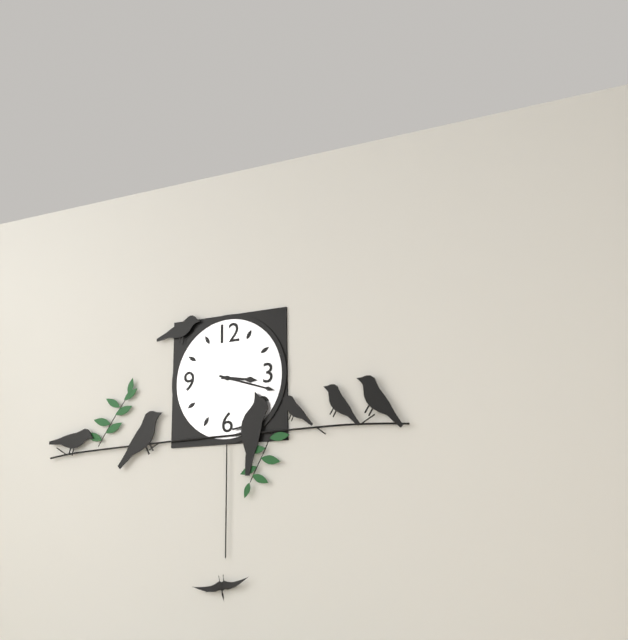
3:18
